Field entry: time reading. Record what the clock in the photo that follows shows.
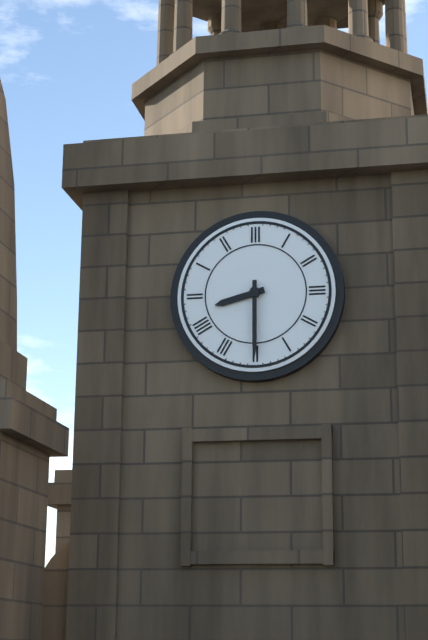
8:30
